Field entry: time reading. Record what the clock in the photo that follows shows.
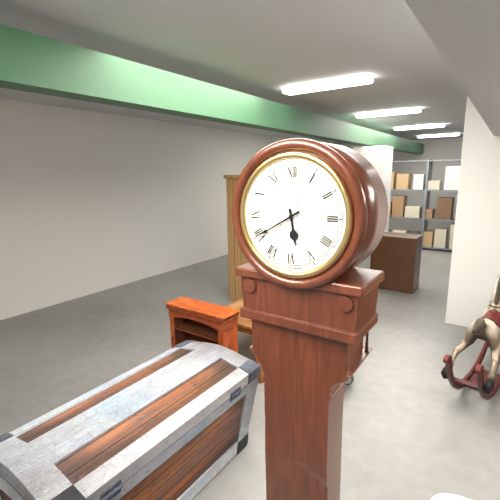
5:40
